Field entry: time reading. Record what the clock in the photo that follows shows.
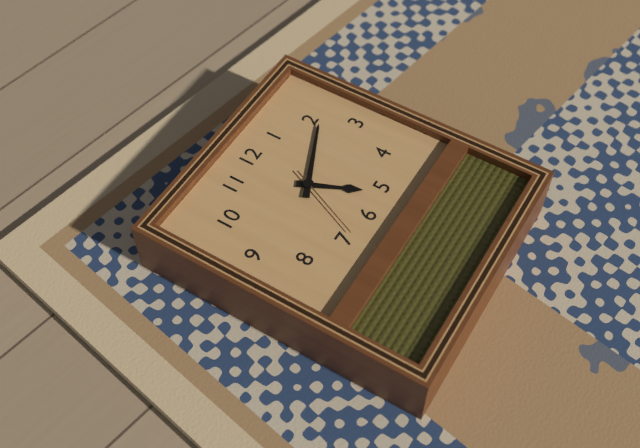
5:11:34
